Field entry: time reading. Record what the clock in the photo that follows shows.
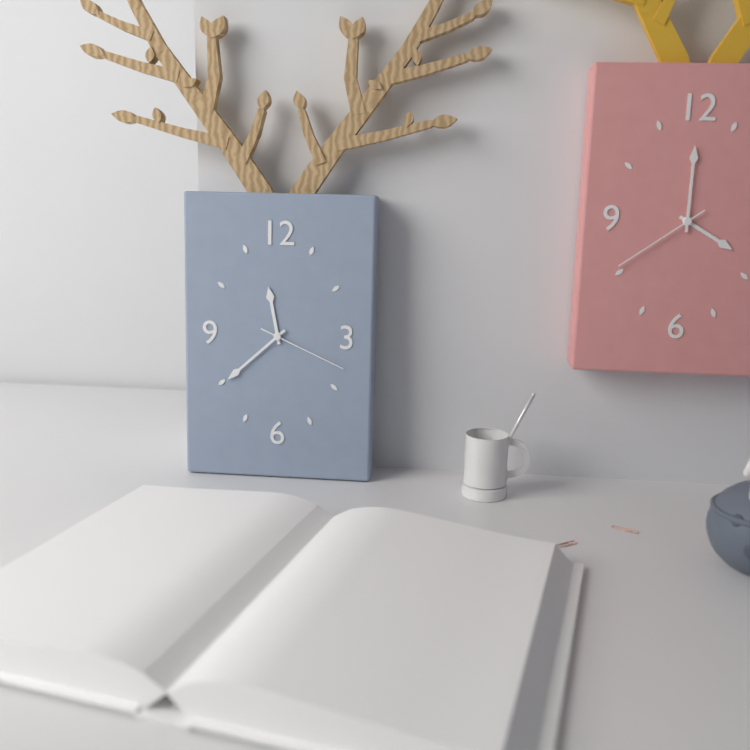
11:38:19
